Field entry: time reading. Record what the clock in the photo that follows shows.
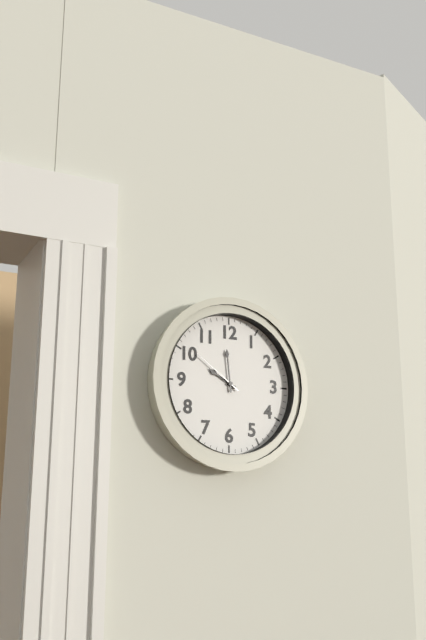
9:59:51
